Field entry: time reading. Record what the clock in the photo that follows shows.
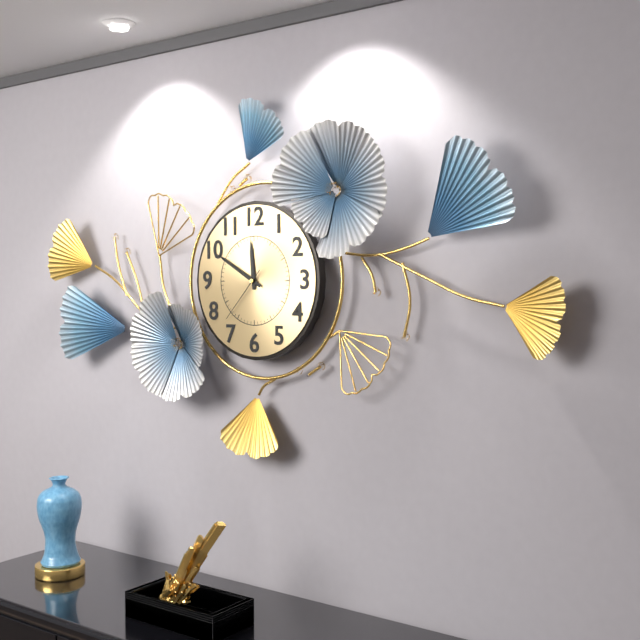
11:50:37
